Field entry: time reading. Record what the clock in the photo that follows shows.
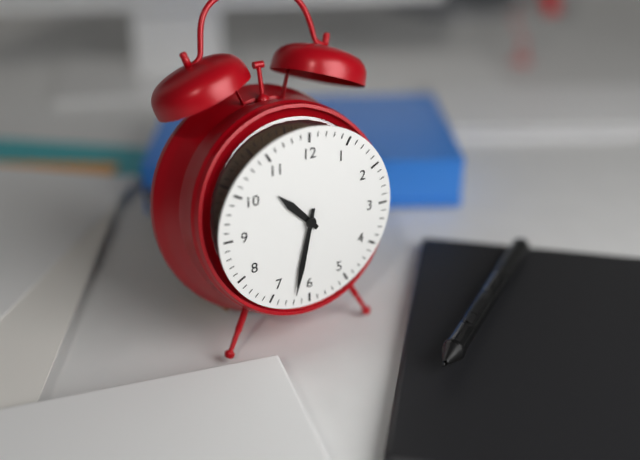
10:32
